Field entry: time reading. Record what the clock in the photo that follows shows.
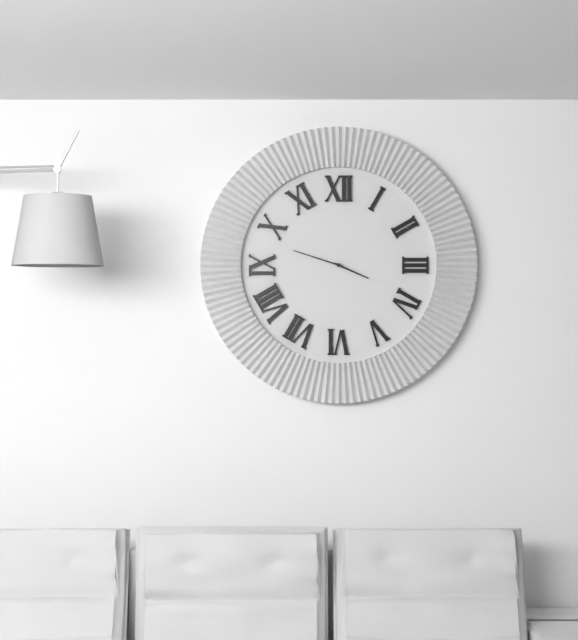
3:48
